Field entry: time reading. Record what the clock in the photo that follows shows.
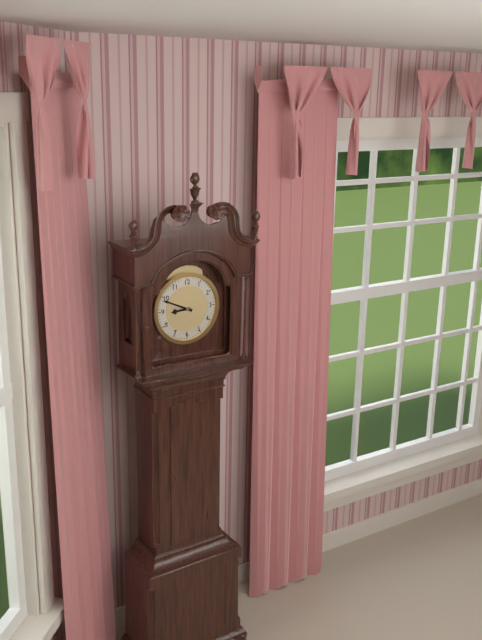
8:49
